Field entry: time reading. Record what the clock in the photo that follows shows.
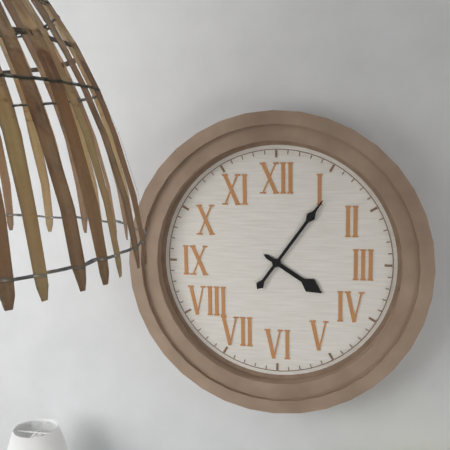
4:06
